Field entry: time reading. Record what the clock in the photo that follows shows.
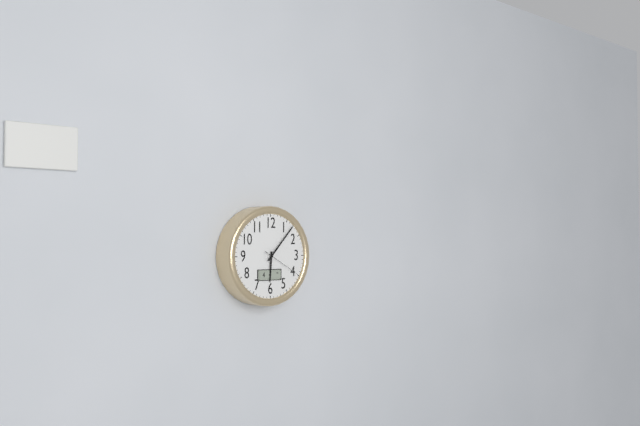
6:07
